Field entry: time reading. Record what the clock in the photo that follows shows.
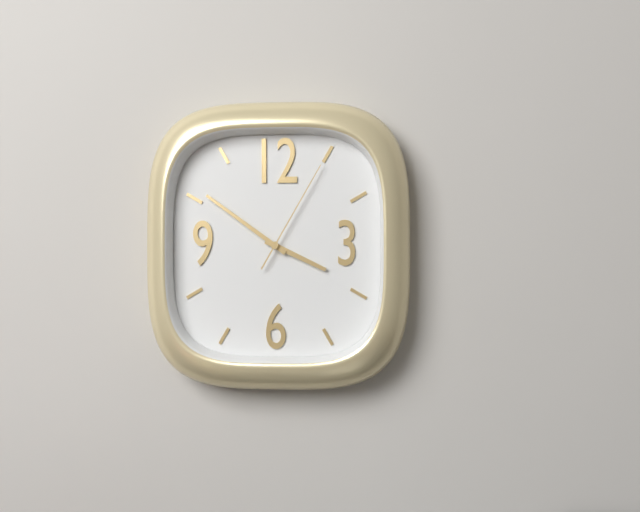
3:51:05
